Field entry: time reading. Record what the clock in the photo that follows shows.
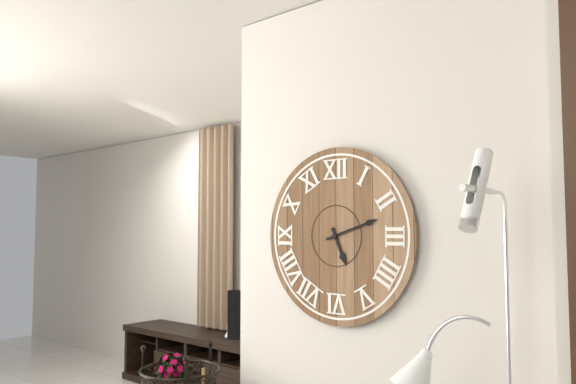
5:12
